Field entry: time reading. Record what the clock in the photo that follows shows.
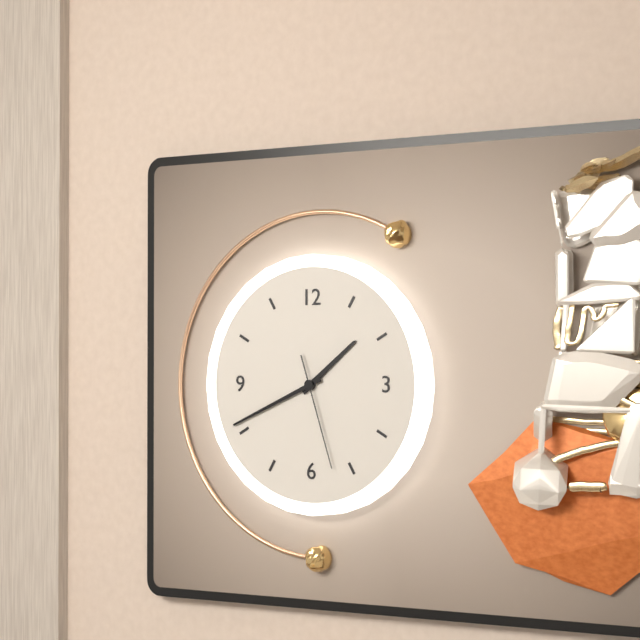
1:41:27
